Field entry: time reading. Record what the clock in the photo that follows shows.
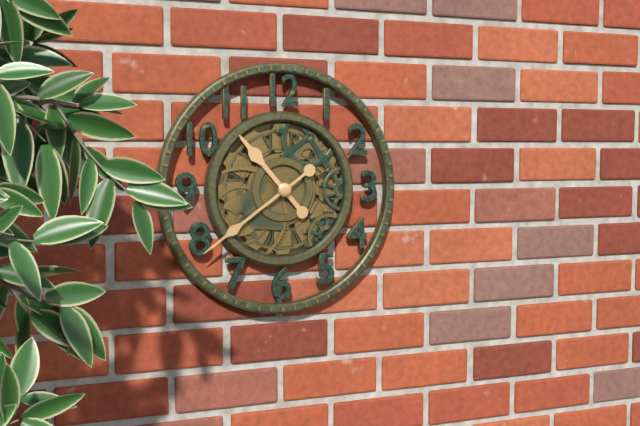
10:39
